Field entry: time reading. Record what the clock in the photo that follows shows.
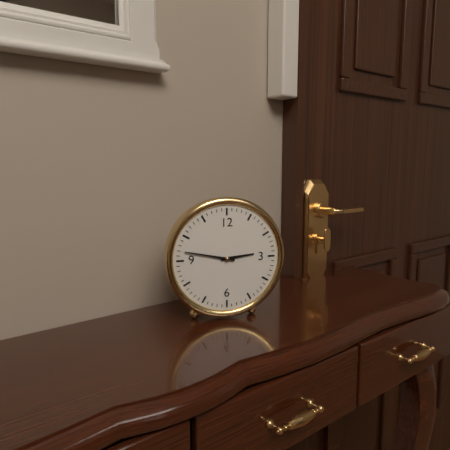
2:47
